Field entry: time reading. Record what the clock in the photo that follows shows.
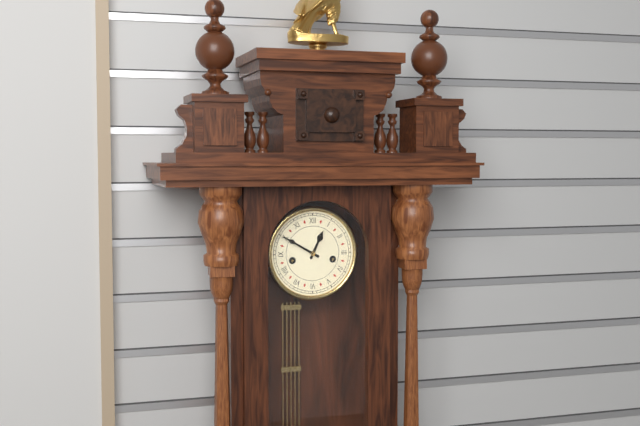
12:50
